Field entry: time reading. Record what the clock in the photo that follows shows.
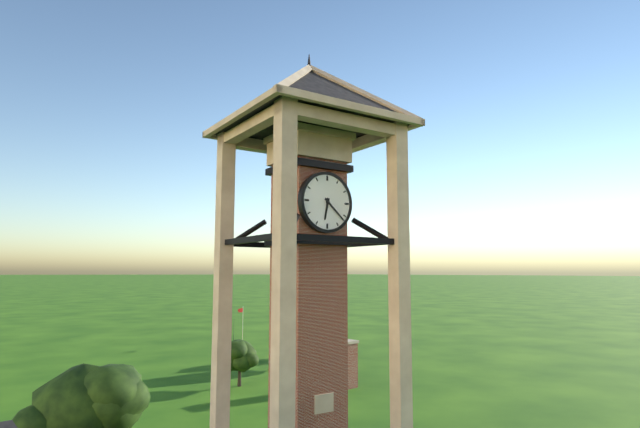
6:22
